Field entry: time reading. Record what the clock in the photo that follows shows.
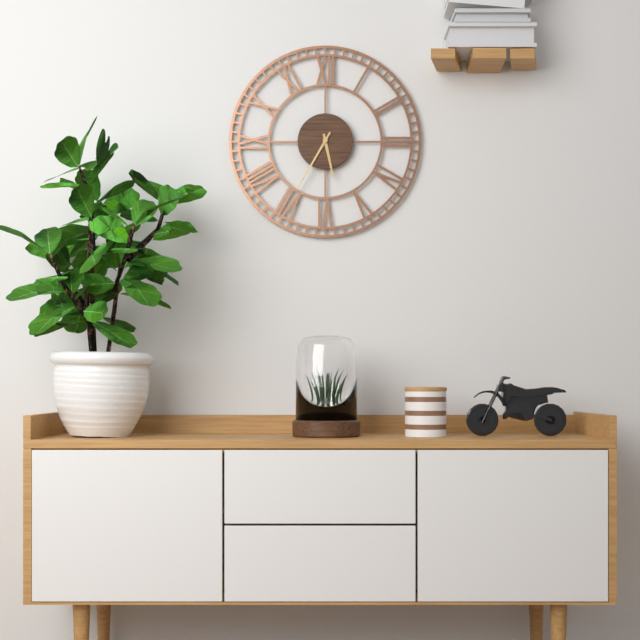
5:35
